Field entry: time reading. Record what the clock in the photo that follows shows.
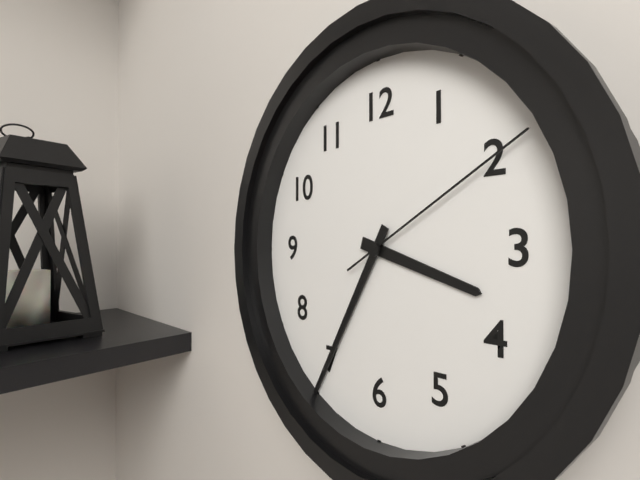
3:35:10
